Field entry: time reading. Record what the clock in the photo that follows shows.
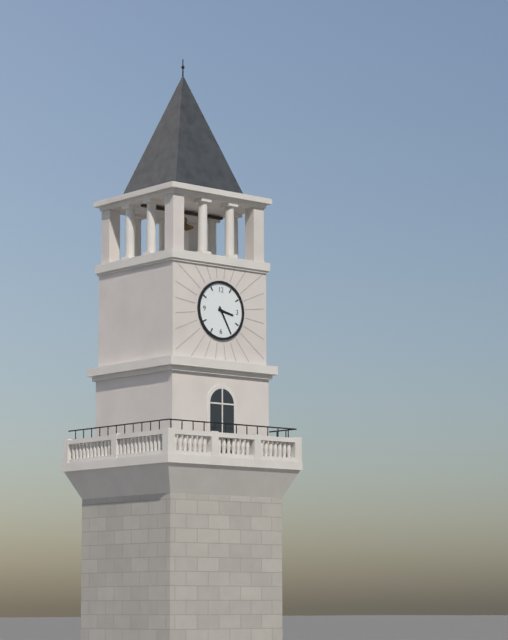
3:25
